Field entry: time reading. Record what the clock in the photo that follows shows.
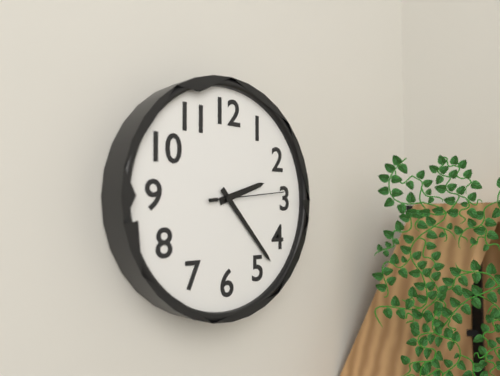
2:23:14
